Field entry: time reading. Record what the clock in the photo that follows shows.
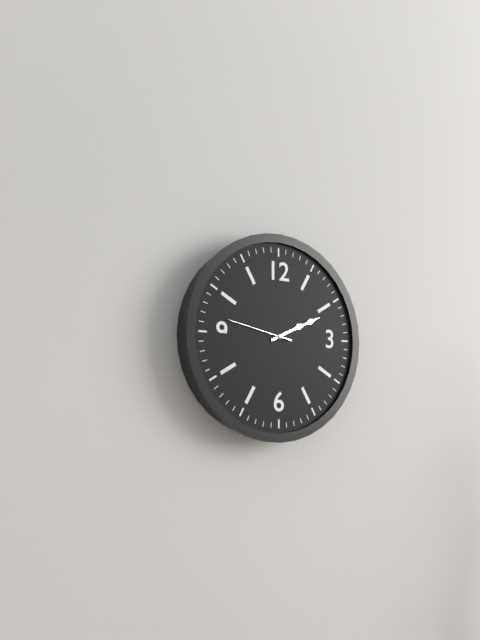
2:11:47
